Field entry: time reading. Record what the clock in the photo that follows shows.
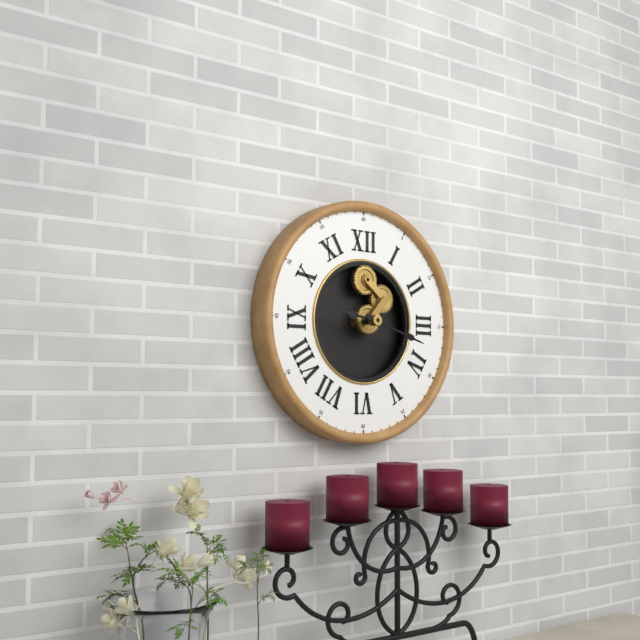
9:18
